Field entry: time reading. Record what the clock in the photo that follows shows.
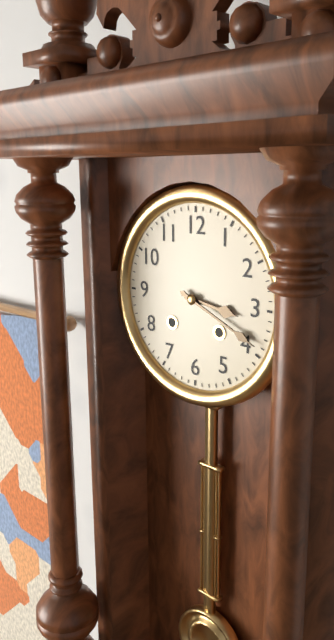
3:19
